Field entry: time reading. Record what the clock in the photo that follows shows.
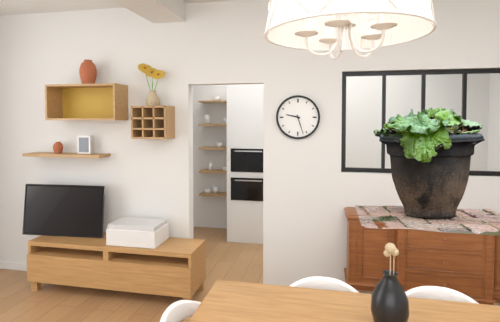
9:27
